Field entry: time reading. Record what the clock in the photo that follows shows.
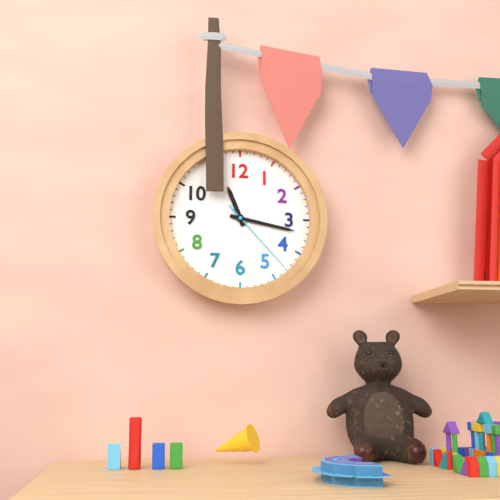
11:17:23
